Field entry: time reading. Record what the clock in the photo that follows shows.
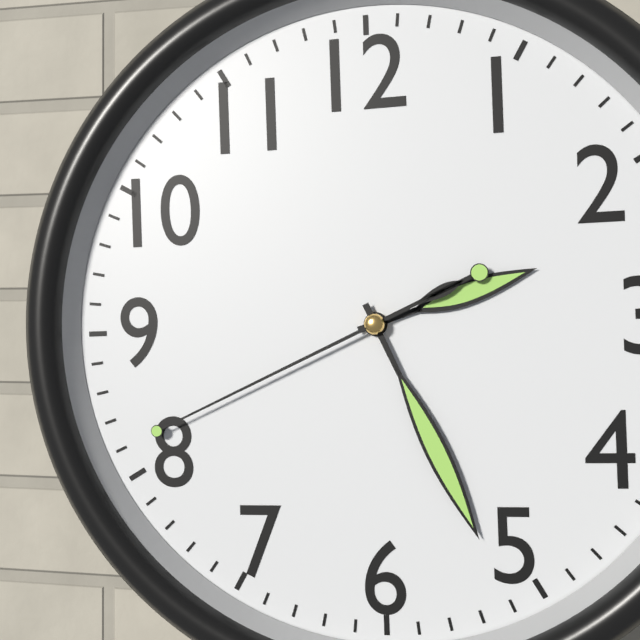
2:26:41
